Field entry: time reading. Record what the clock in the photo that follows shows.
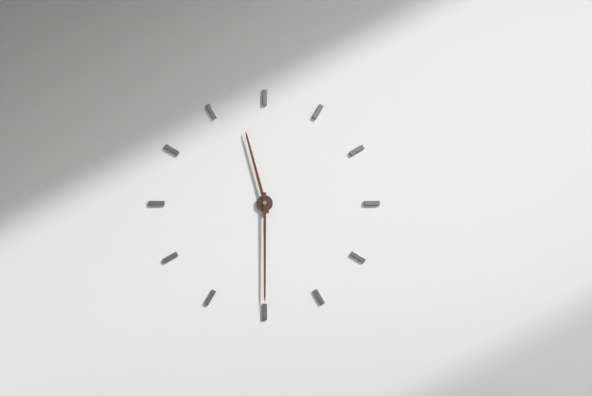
11:30
